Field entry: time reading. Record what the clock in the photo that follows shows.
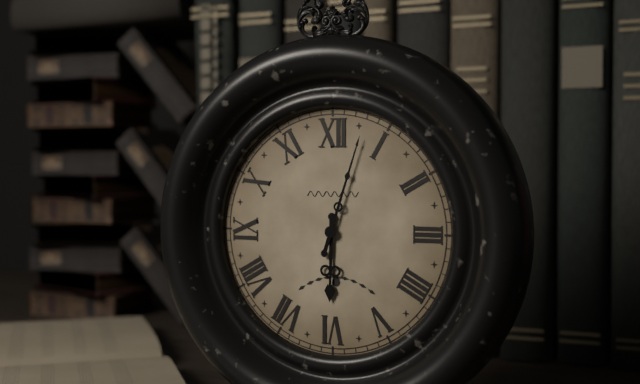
6:03
